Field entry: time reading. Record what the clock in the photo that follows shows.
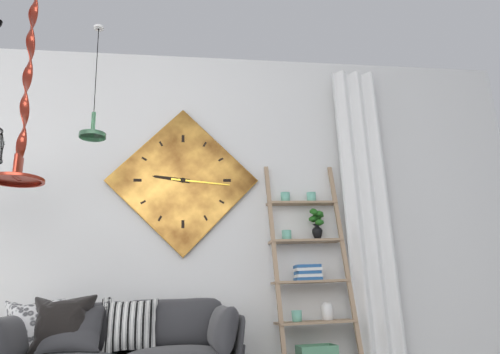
9:16
